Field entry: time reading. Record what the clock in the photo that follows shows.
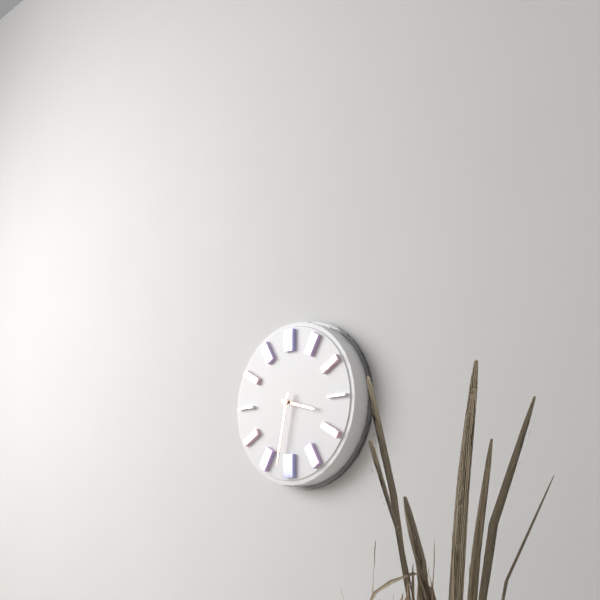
3:32
